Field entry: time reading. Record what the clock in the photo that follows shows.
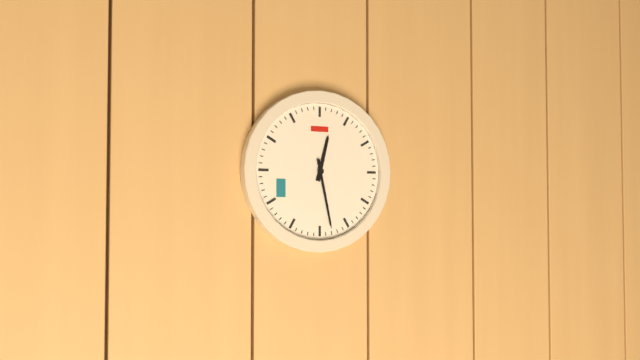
12:28
